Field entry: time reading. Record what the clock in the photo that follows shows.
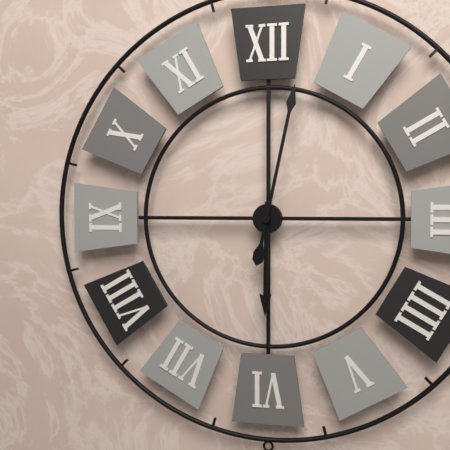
6:02
